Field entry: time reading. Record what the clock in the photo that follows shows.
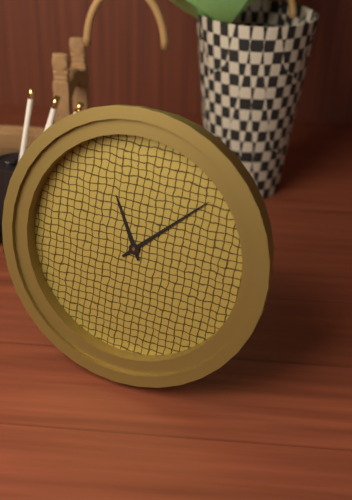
11:08
